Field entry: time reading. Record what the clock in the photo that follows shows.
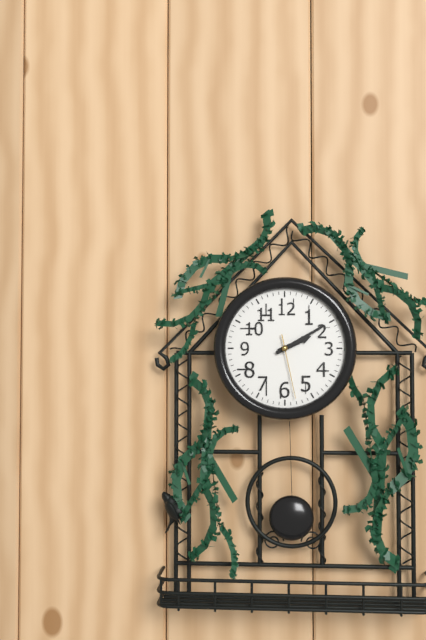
2:10:28
